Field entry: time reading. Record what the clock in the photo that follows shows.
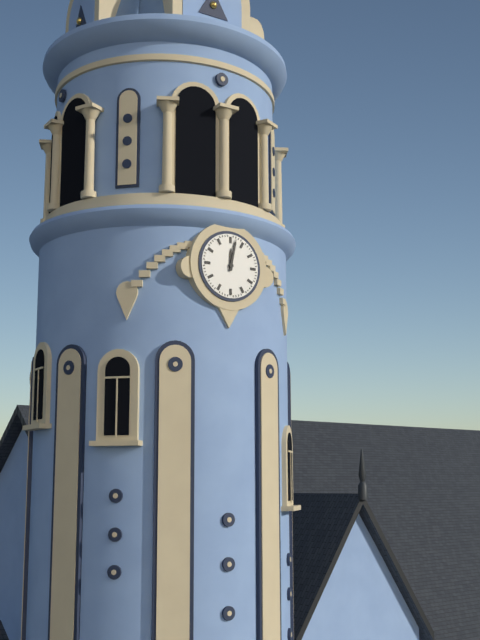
12:02
